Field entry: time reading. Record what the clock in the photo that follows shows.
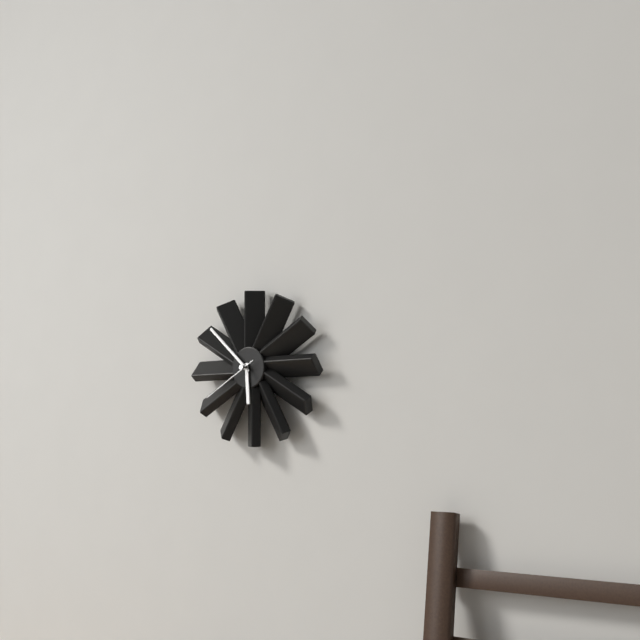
5:52:40
